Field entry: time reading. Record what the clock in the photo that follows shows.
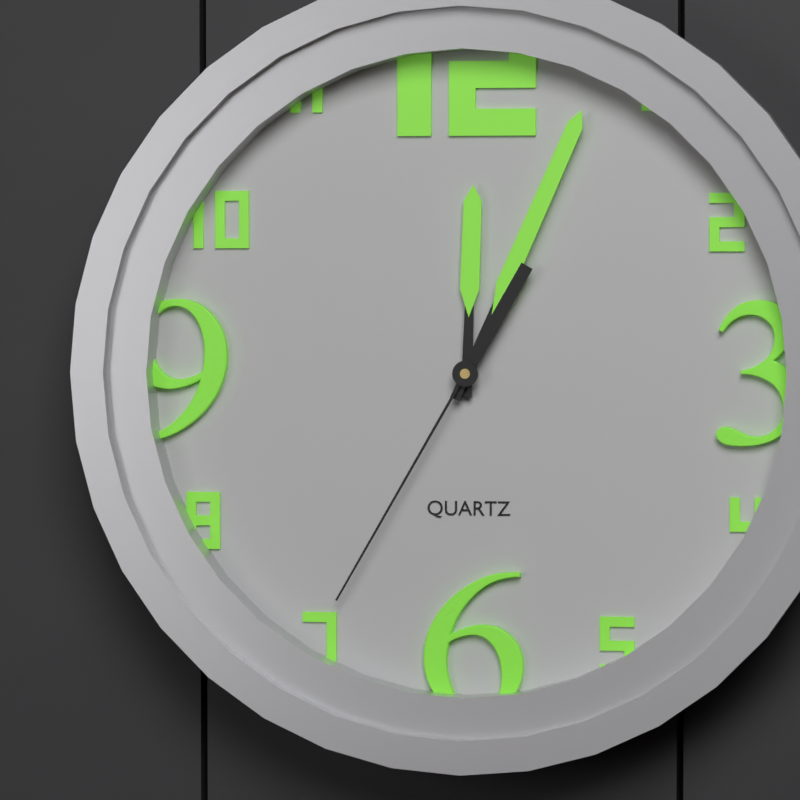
12:04:35
